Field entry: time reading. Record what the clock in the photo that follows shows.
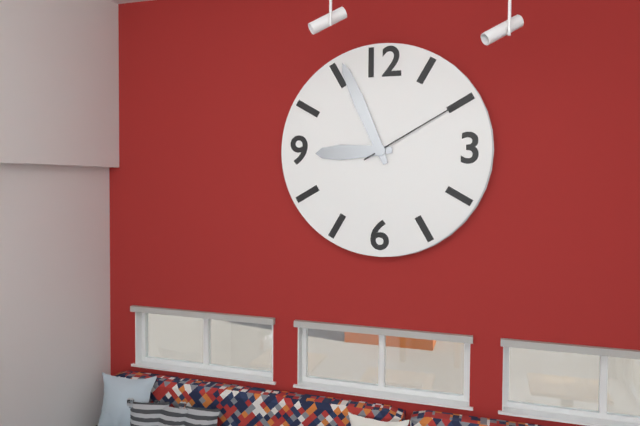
8:56:10
